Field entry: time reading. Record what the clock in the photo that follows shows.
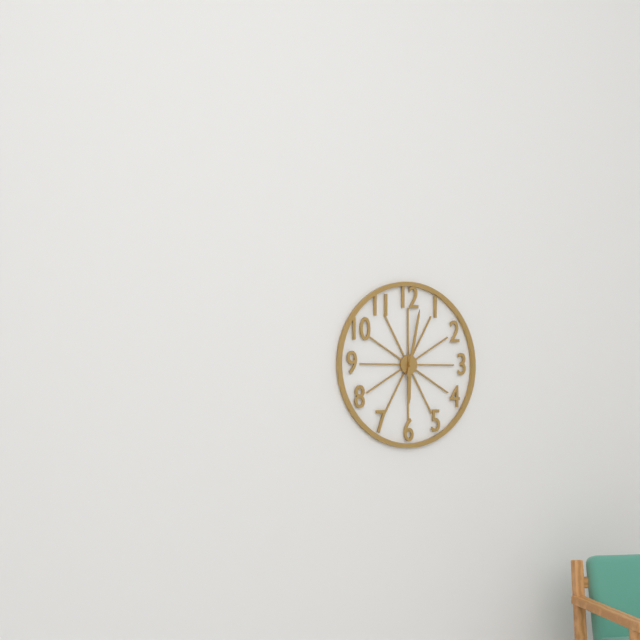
6:02
